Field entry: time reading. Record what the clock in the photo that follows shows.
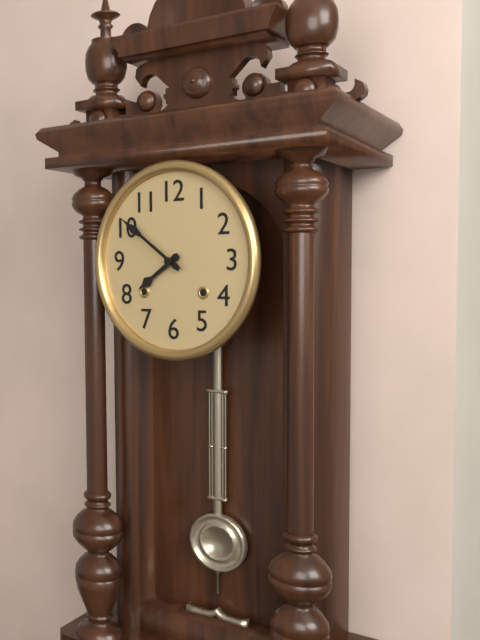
7:51
